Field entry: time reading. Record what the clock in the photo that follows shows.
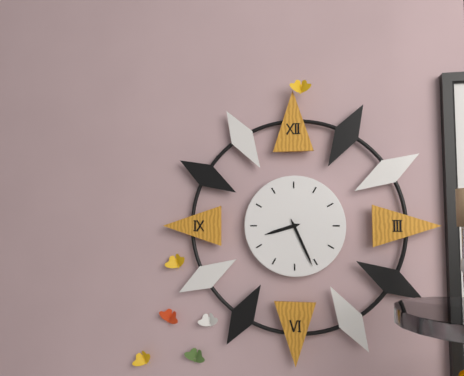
8:26
